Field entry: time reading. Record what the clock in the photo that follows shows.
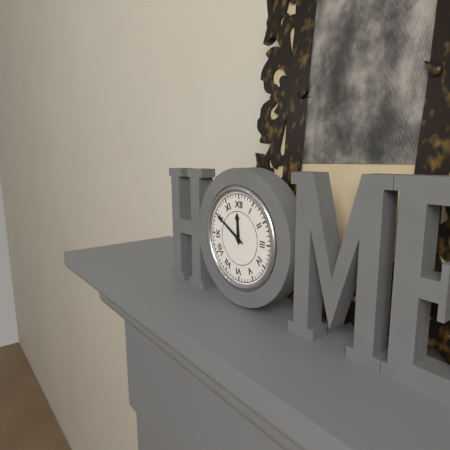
11:50
